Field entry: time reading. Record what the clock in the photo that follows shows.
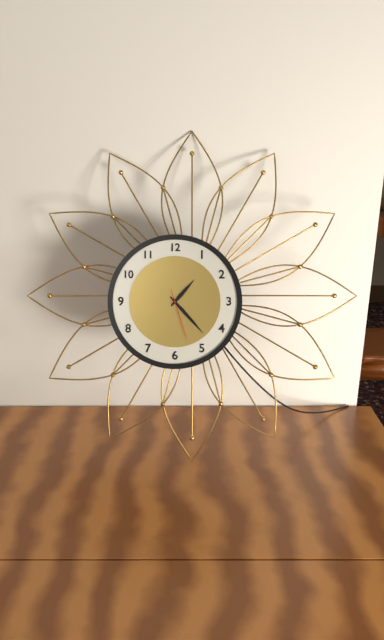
1:23:27
